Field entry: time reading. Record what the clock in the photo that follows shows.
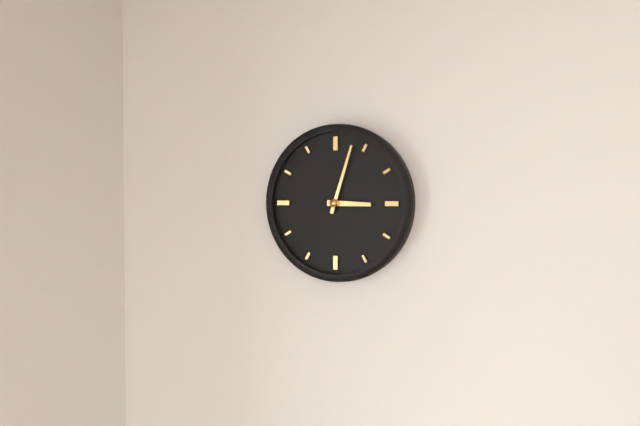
3:03
